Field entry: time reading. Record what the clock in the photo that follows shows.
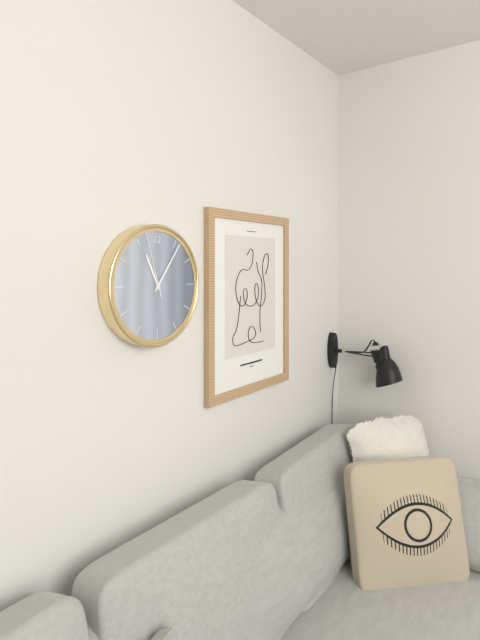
11:06:57
